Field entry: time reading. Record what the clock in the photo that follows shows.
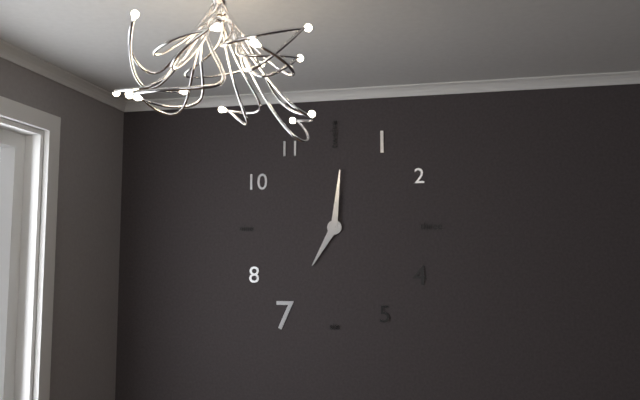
7:01
